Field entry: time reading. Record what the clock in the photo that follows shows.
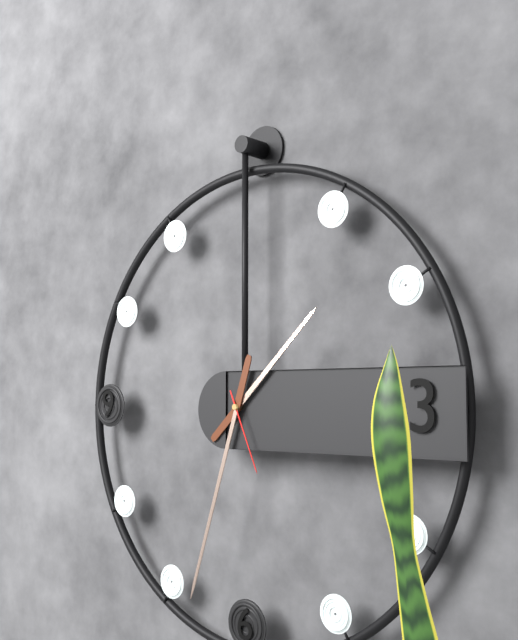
1:33:26
